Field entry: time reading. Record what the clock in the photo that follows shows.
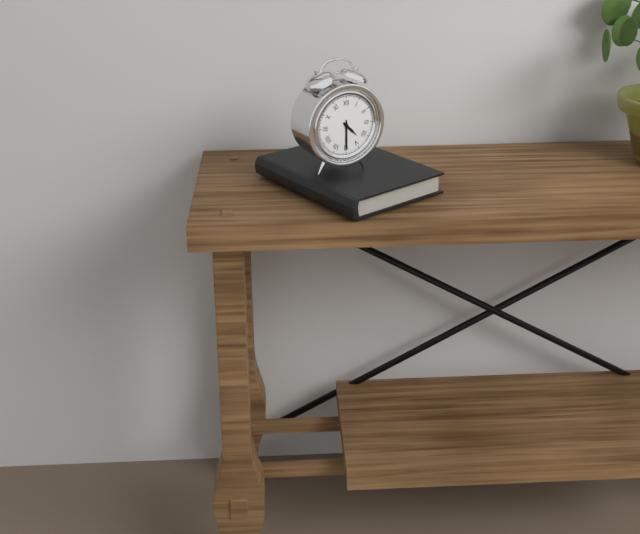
4:30
